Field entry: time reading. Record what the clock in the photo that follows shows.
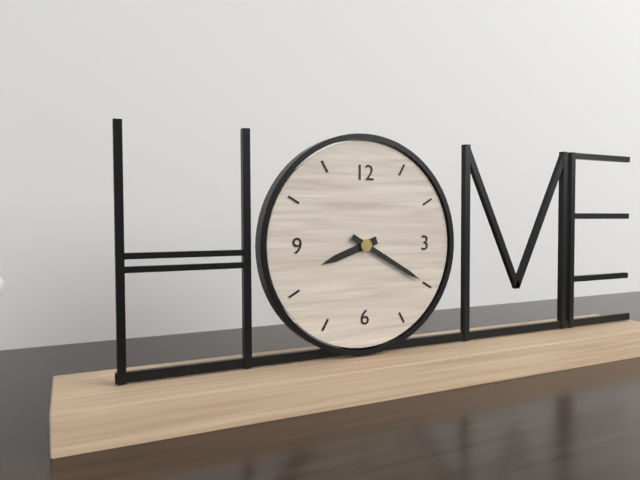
8:20
